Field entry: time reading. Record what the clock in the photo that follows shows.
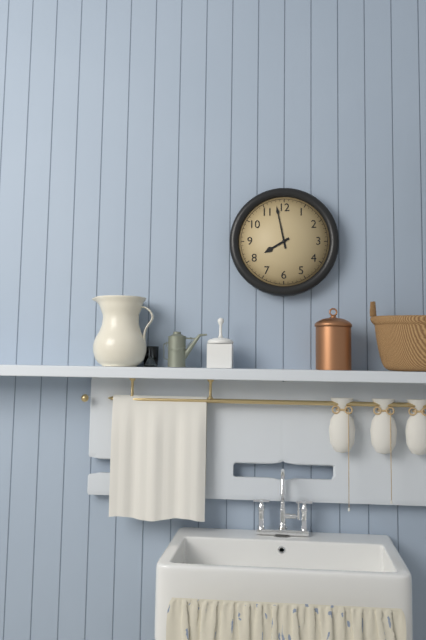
7:58
